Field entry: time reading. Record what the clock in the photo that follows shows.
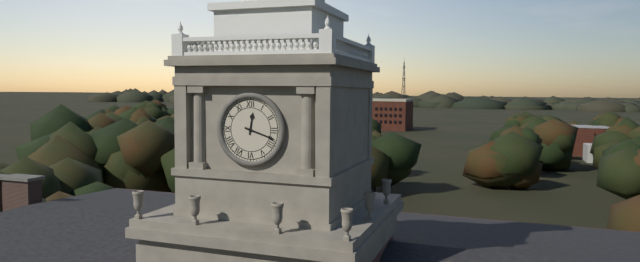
12:18
